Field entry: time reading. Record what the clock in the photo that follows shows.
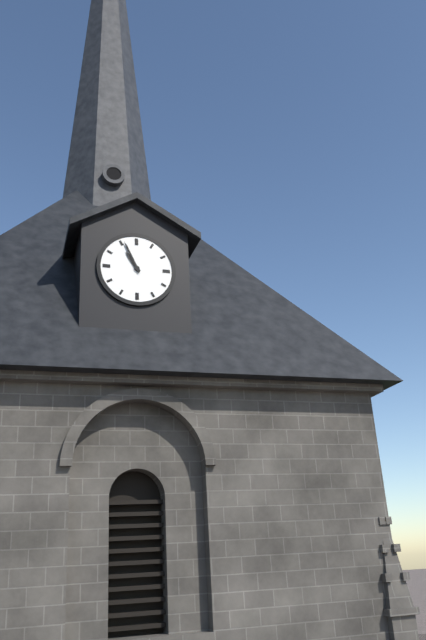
10:56
